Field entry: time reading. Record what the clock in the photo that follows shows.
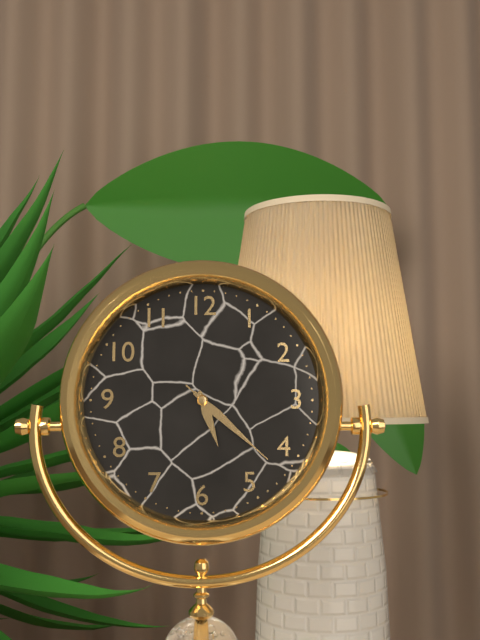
5:22:22
